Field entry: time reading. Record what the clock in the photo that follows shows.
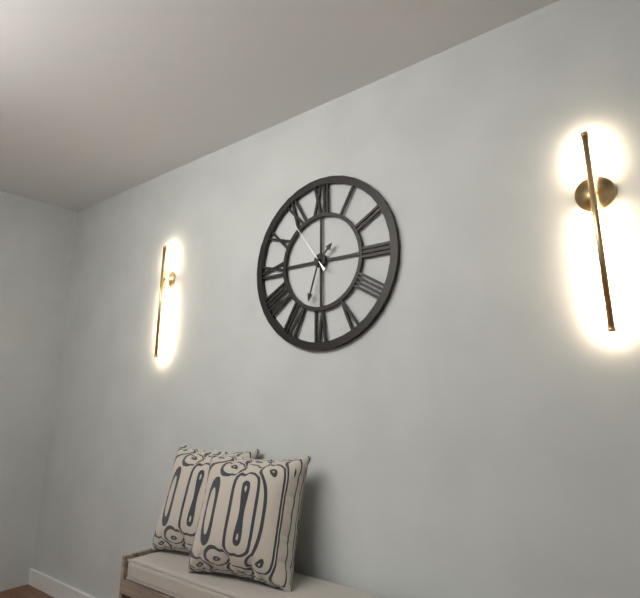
1:33:54
